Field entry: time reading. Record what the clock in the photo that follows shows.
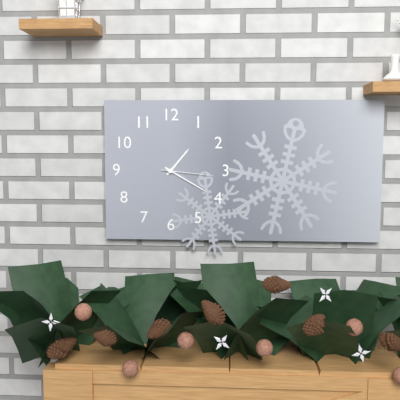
1:20:16
